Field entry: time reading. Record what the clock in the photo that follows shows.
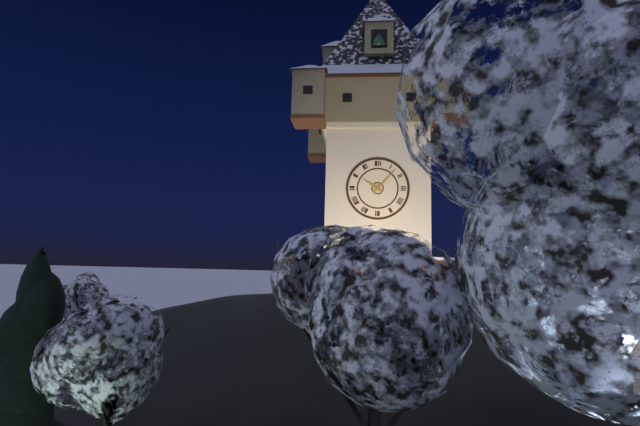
10:07
